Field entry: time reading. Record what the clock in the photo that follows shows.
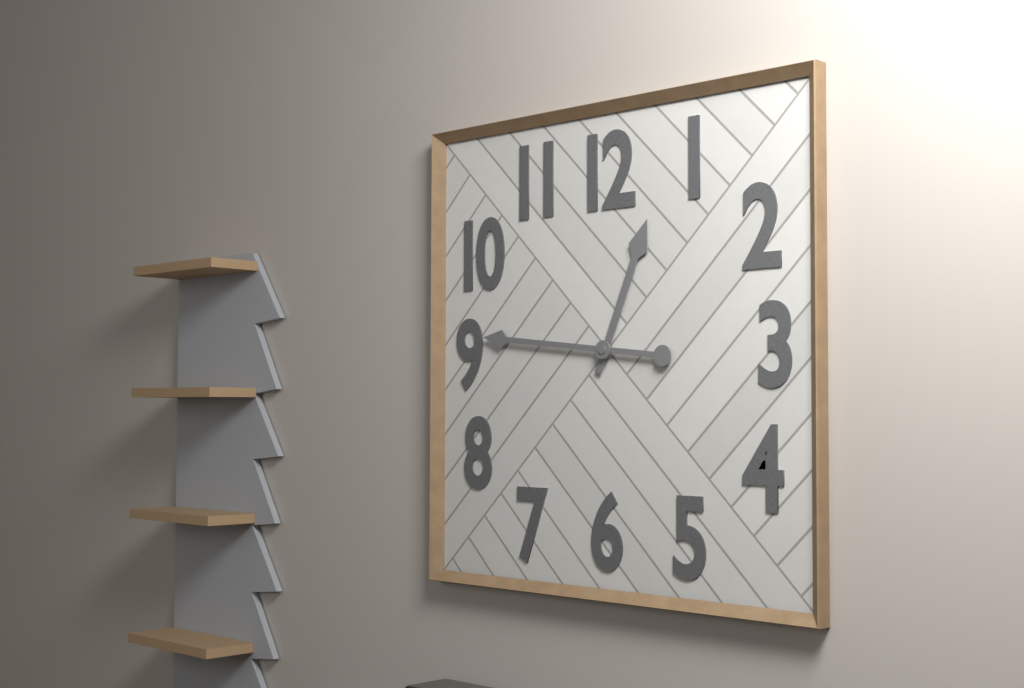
12:46
